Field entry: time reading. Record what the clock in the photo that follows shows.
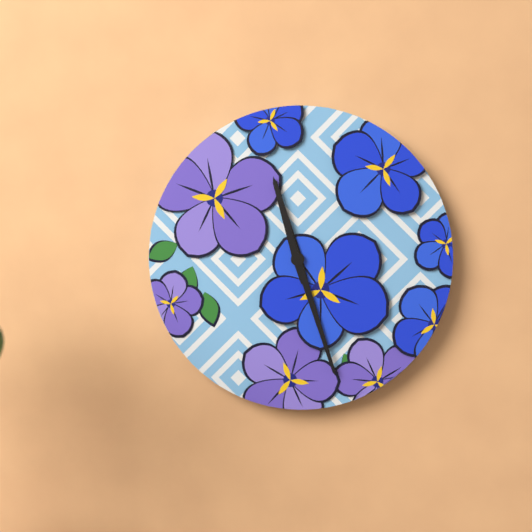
11:27
